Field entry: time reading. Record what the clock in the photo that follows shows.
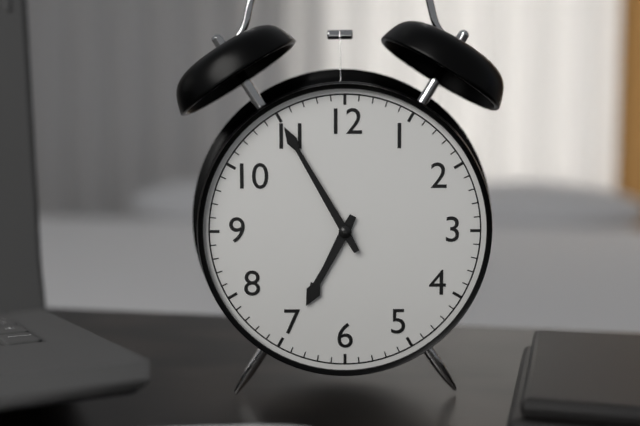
6:55
